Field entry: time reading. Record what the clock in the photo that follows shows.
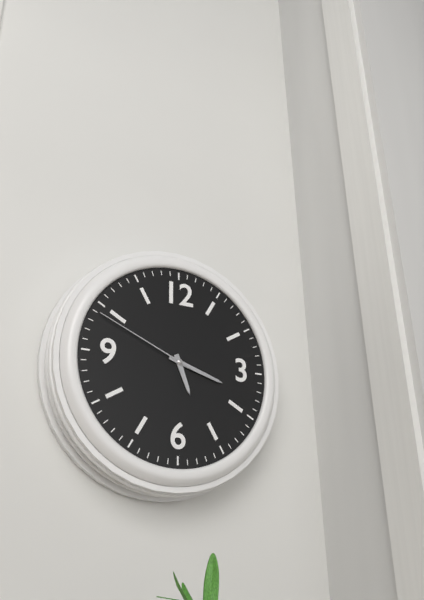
5:18:49
